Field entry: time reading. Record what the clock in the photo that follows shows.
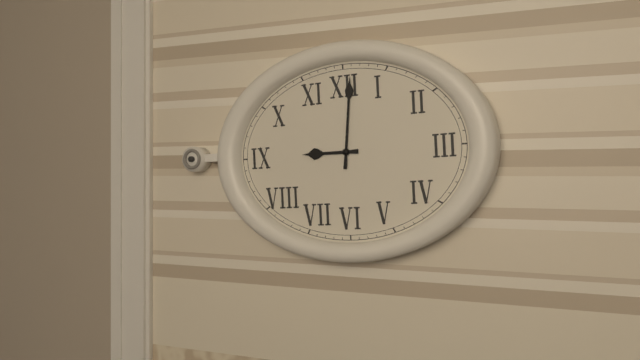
9:01
